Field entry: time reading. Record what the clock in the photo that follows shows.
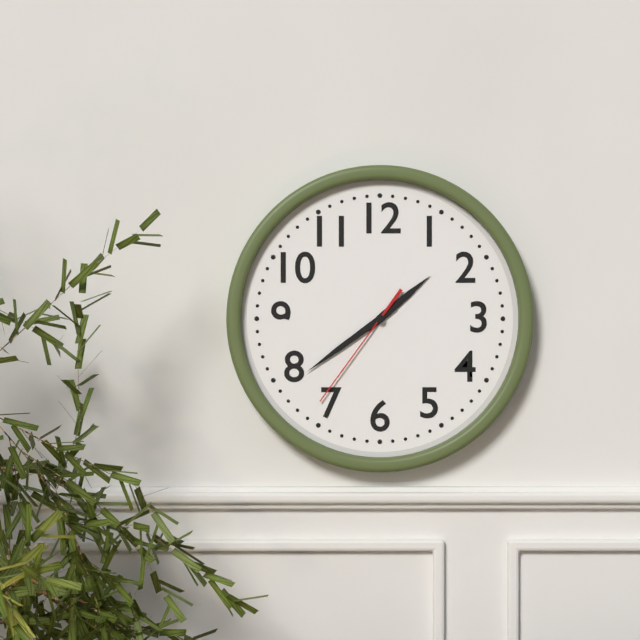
1:39:36
